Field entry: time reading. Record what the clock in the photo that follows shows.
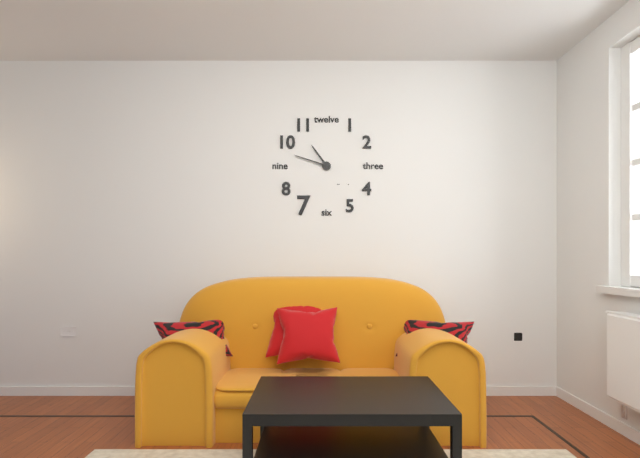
10:48
